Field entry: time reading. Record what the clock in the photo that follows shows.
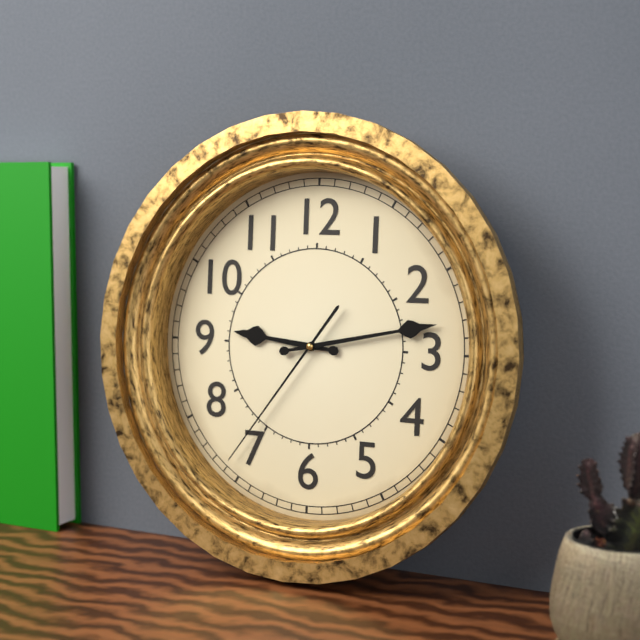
9:13:36
